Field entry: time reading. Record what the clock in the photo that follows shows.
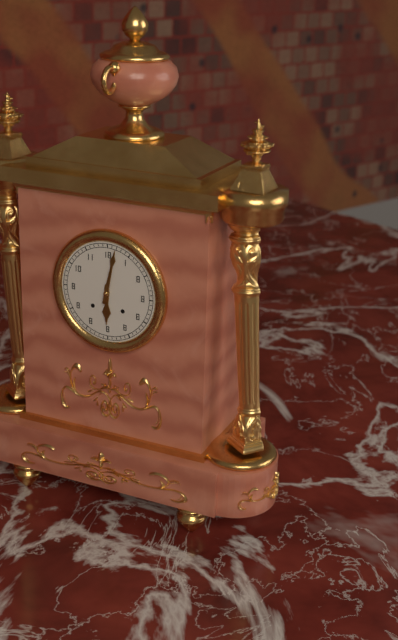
6:02
